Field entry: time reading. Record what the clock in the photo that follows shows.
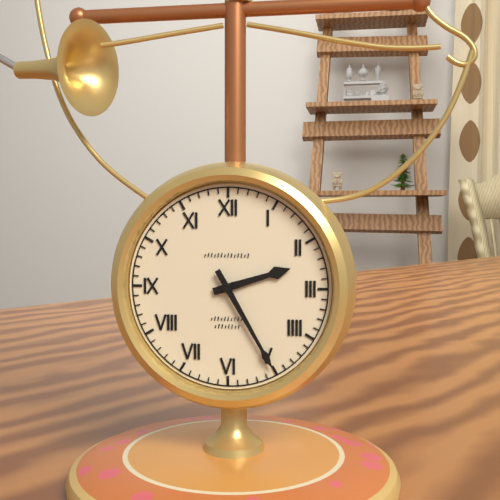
2:25
